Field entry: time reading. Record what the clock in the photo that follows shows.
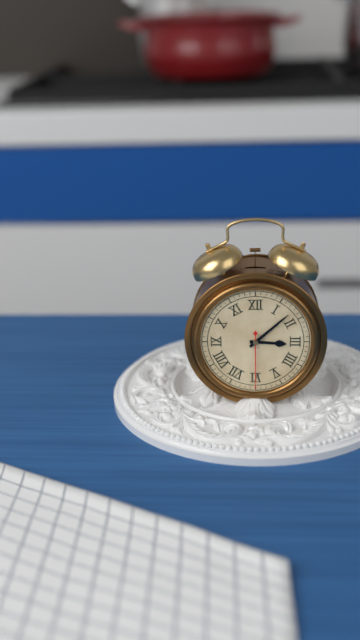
3:08:30
